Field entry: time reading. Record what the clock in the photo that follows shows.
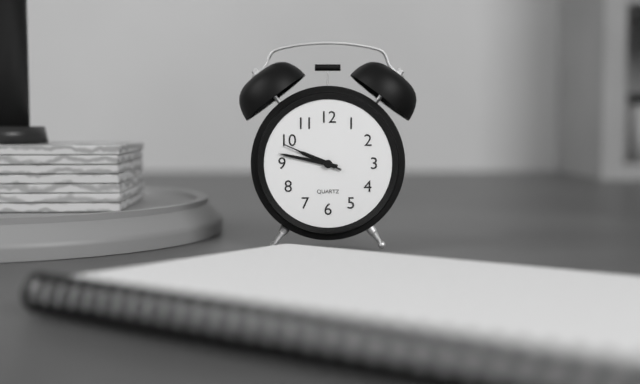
9:47:49
